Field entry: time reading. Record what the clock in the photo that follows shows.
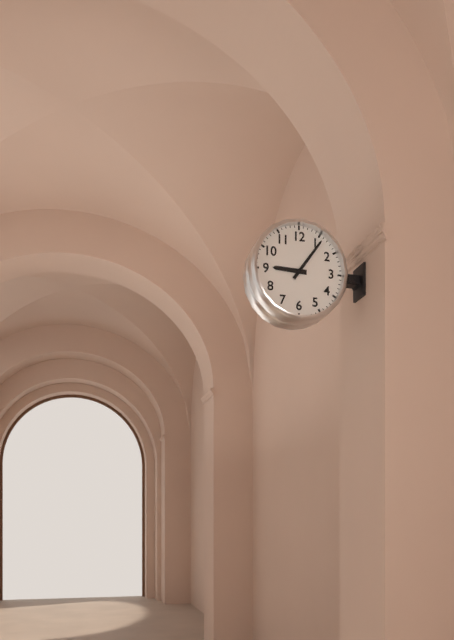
9:06
